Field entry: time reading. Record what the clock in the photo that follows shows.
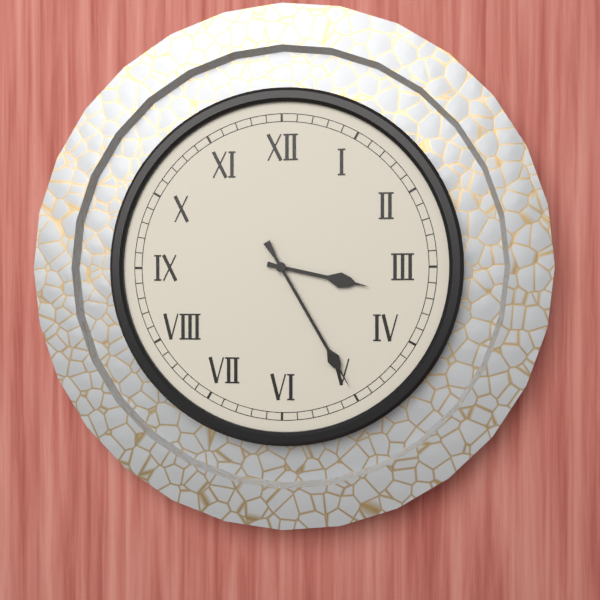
3:25
